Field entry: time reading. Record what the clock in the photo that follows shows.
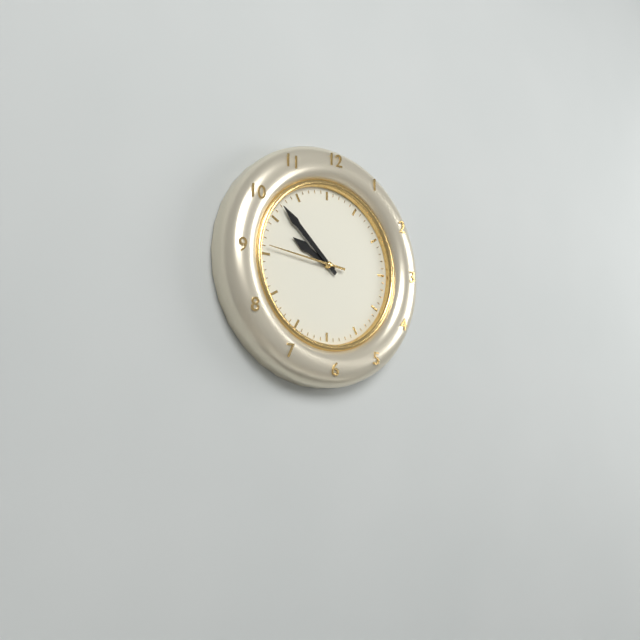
9:52:46
